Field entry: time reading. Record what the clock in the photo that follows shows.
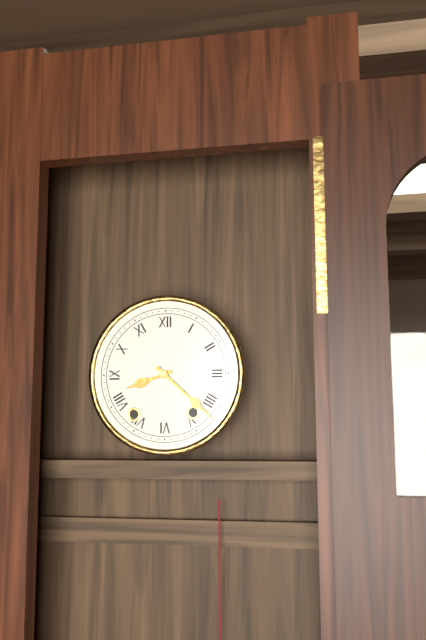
8:22
